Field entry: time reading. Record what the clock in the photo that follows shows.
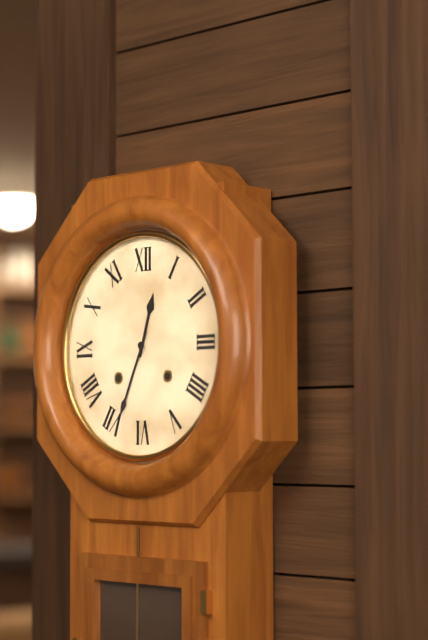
12:34
